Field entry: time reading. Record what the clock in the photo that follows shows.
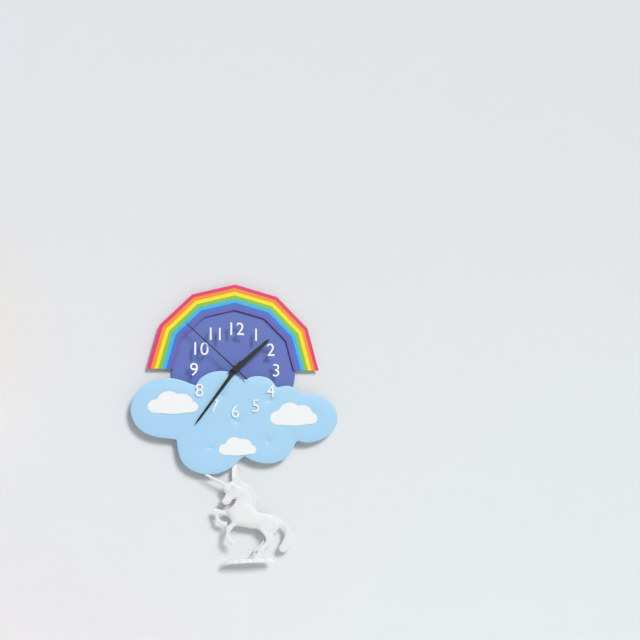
1:36:52
